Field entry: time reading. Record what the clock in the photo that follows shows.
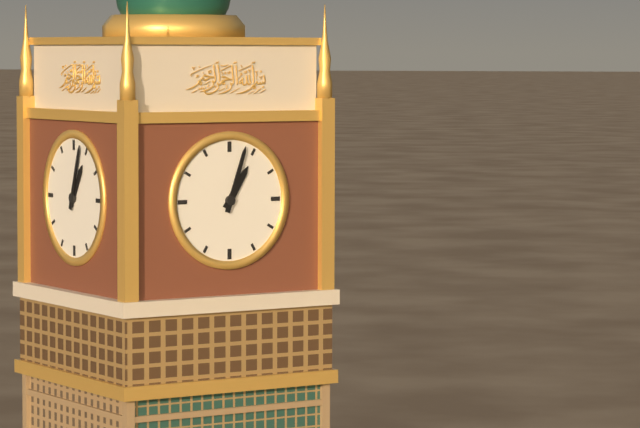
1:03
